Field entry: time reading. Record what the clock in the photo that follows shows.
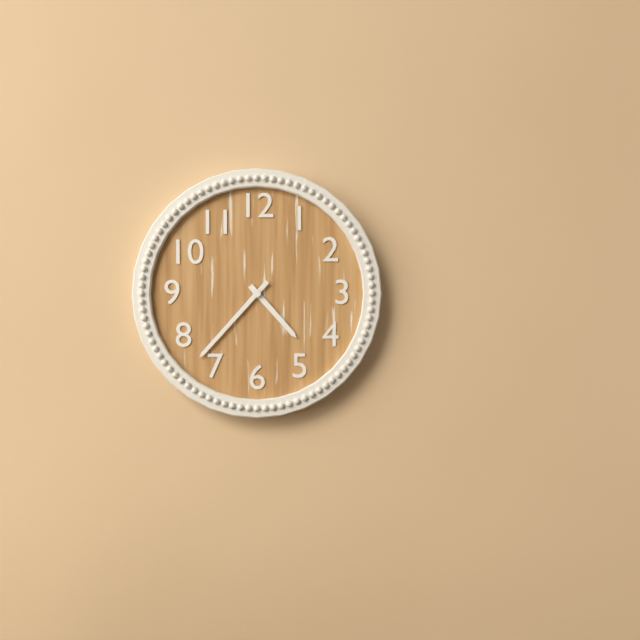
4:37
